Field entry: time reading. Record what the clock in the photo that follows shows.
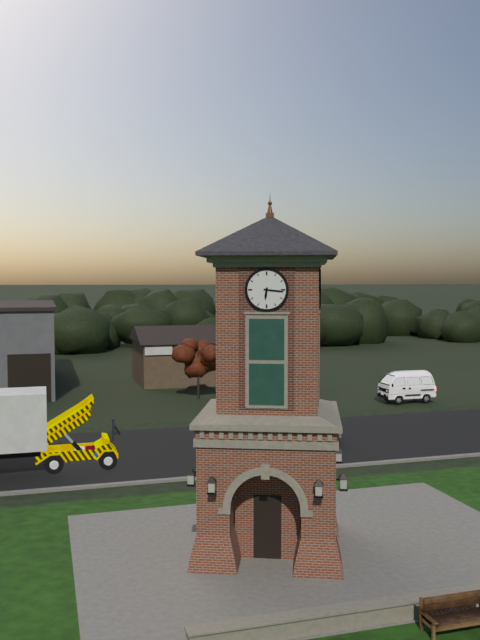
6:16
